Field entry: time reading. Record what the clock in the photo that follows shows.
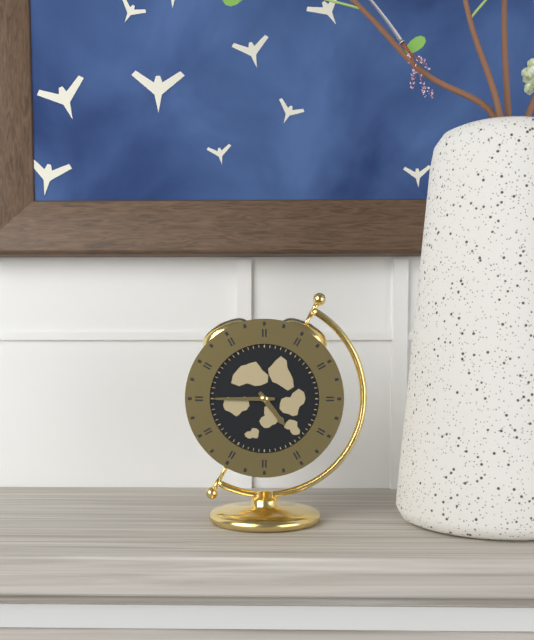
4:45
